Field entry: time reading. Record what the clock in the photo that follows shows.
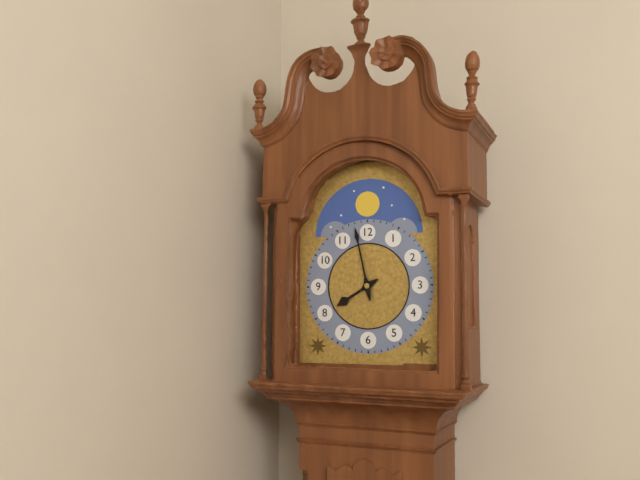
7:58
